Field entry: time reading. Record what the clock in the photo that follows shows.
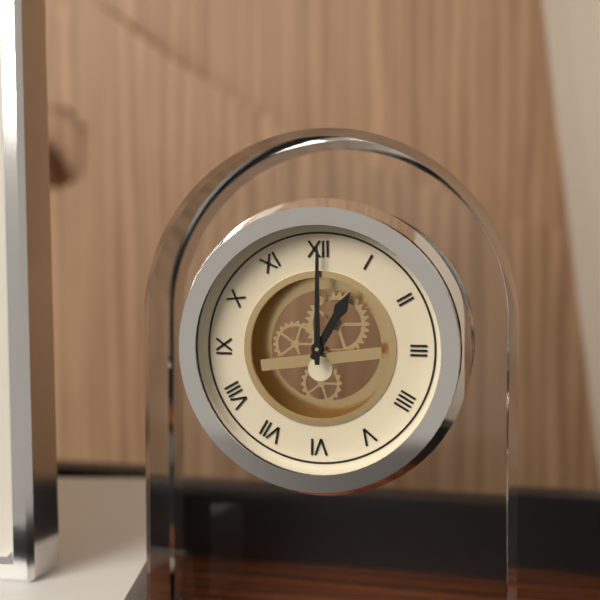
1:00
